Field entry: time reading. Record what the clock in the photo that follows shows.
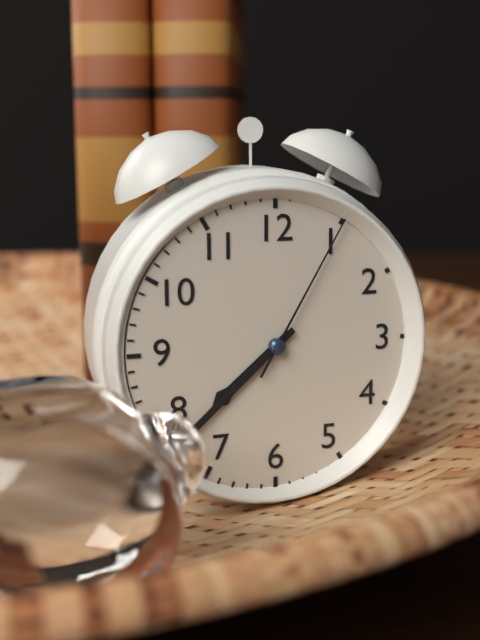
7:38:05
